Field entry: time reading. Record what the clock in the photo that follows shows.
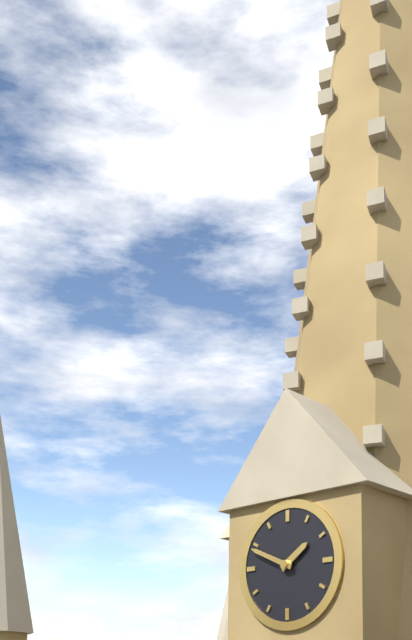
1:49
